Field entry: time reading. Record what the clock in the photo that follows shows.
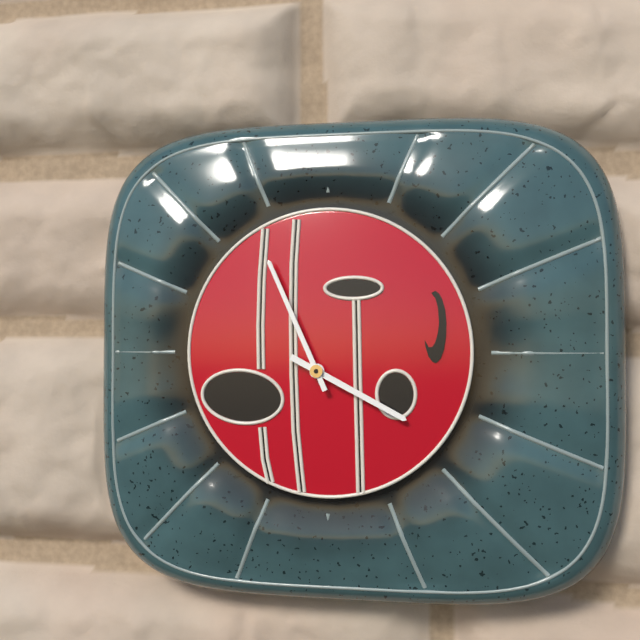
3:56
